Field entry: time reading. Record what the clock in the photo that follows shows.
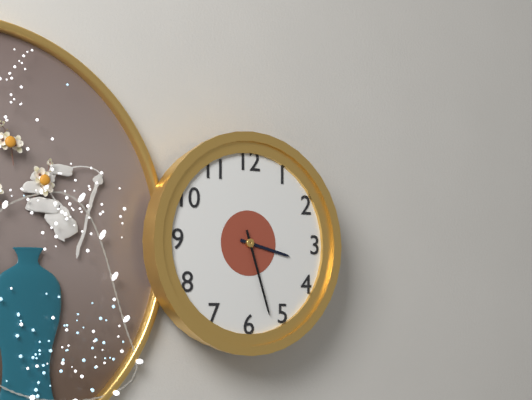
3:27
